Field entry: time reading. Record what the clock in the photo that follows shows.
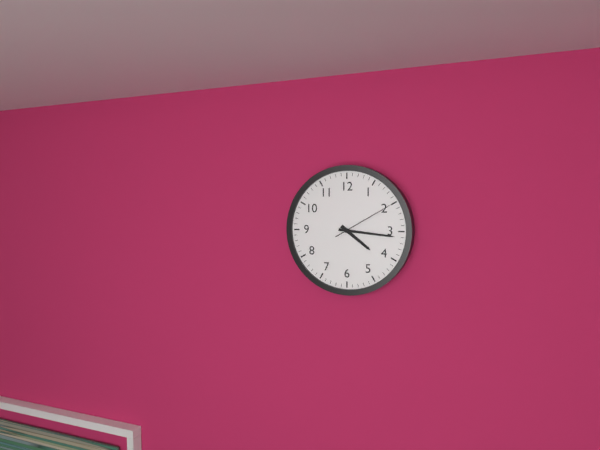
4:16:10
